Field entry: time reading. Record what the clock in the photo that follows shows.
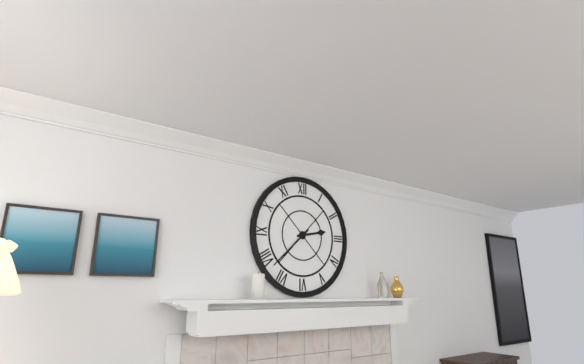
2:38
